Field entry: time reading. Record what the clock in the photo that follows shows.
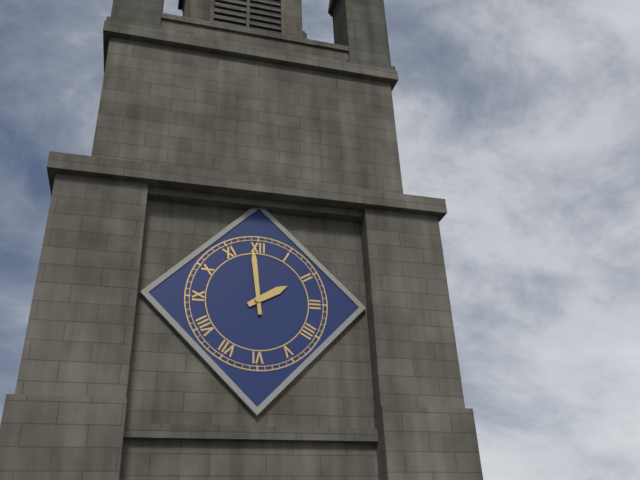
1:59
